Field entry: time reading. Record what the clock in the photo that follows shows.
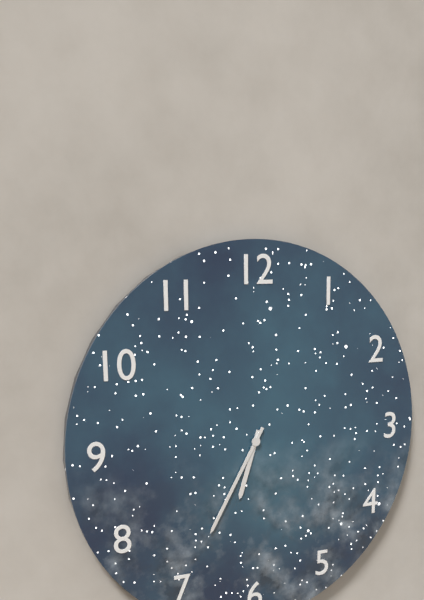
6:35
